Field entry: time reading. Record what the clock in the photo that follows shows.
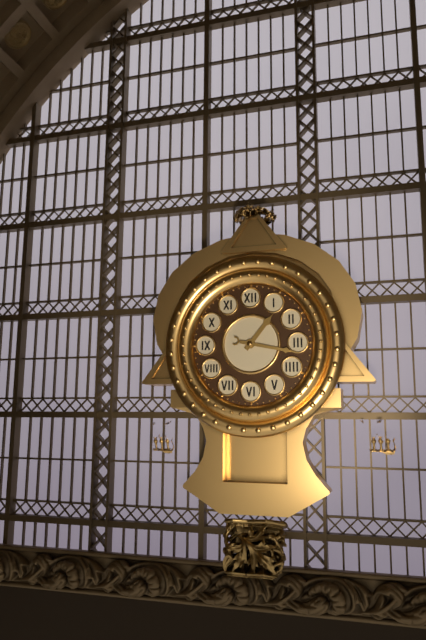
1:17
